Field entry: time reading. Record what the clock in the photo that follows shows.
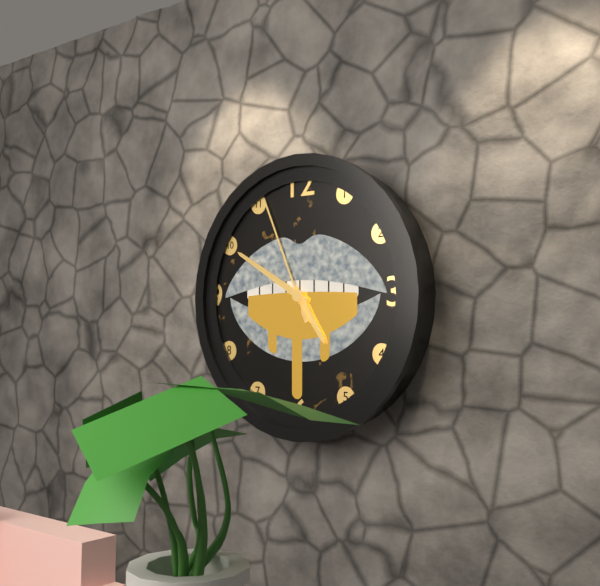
4:50:56
